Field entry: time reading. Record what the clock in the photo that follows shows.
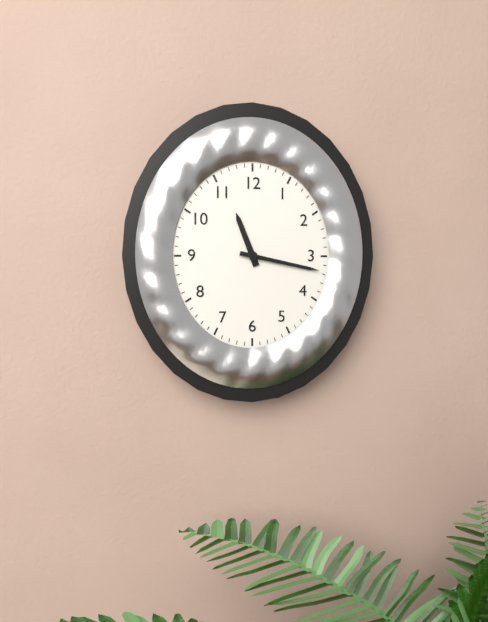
11:17
